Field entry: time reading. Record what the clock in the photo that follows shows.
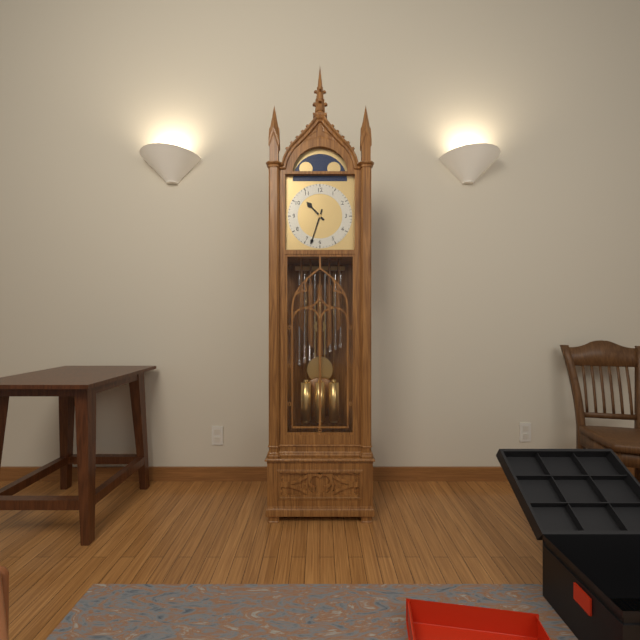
10:33
